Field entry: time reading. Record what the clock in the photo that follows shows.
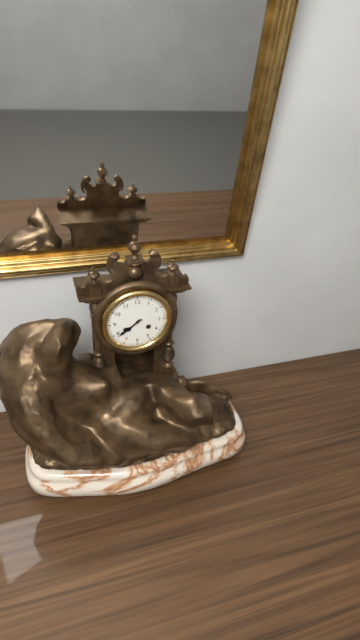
7:39
